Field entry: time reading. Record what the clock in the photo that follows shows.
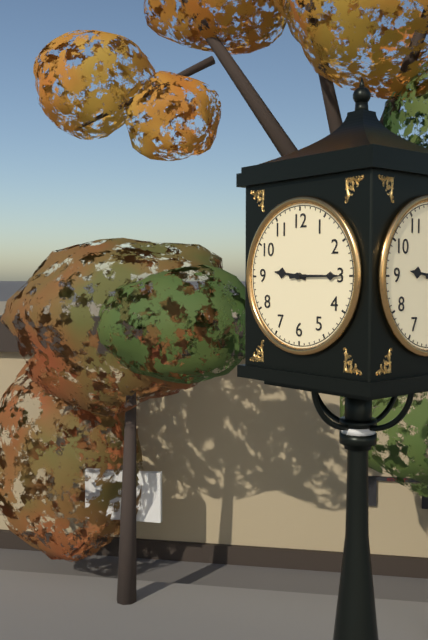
9:15
